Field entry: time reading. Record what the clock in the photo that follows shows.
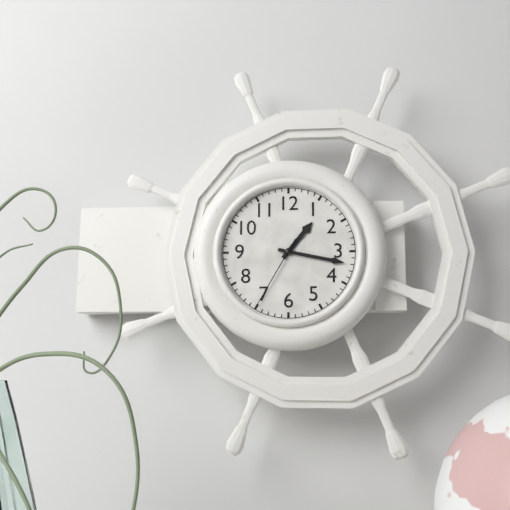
1:17:35
